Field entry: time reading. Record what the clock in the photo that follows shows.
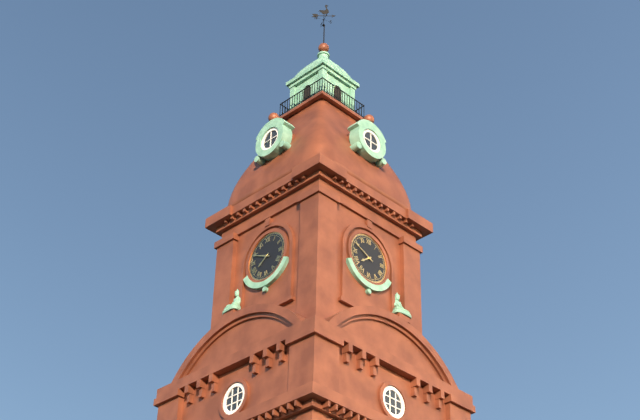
7:49
